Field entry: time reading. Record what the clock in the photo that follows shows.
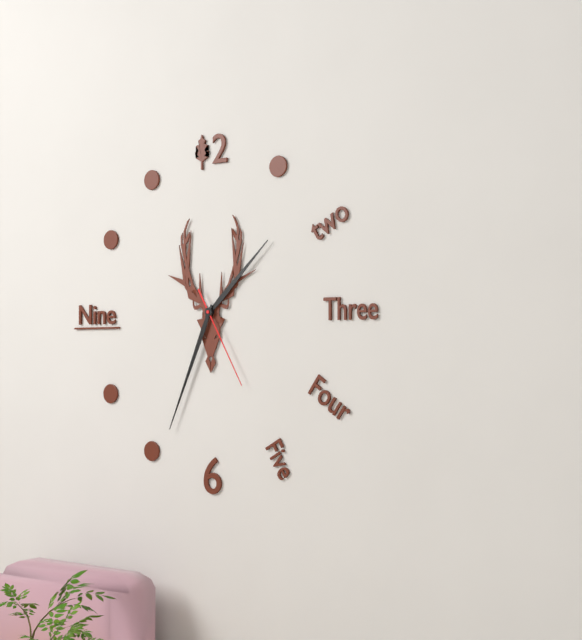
1:34:25
